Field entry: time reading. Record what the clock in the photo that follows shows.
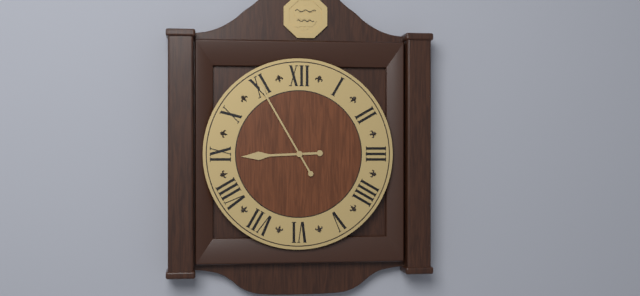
8:55
